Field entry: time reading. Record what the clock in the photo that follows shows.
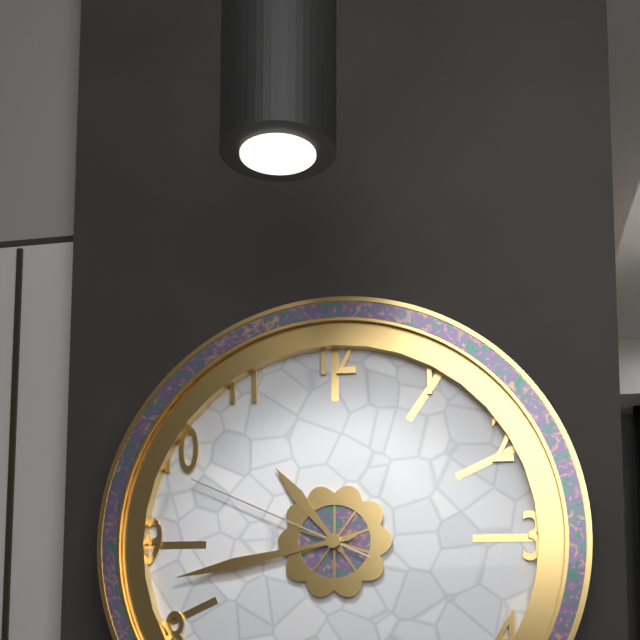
10:43:49
